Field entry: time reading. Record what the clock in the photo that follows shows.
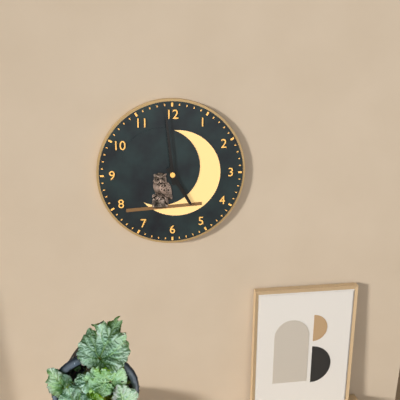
4:59
